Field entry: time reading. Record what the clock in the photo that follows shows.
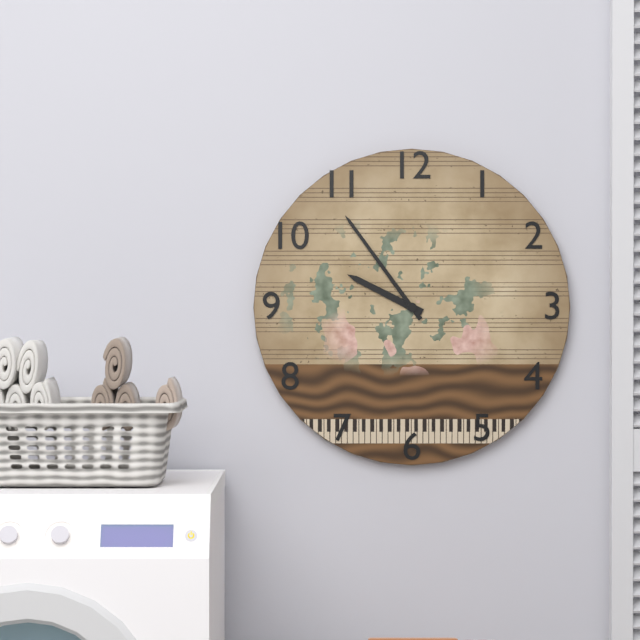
9:54
